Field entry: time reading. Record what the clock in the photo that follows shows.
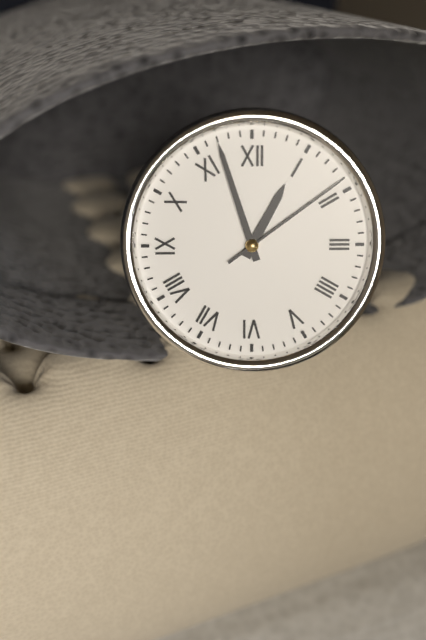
12:57:09
